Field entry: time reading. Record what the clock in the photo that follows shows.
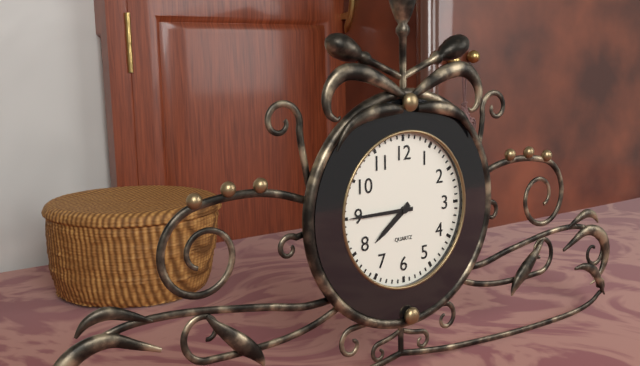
7:45
